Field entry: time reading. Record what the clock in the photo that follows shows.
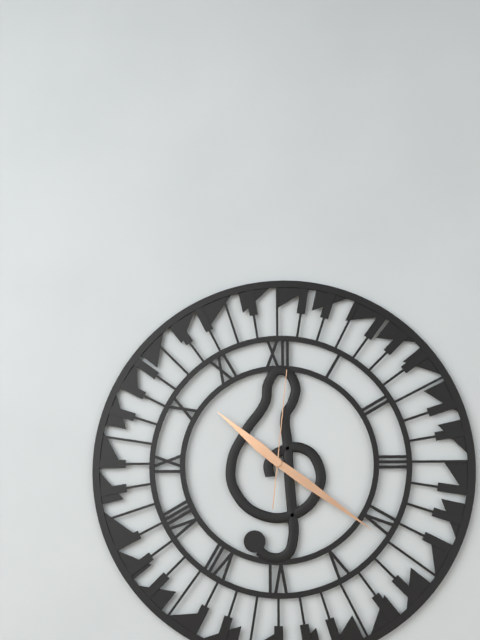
10:21:01
